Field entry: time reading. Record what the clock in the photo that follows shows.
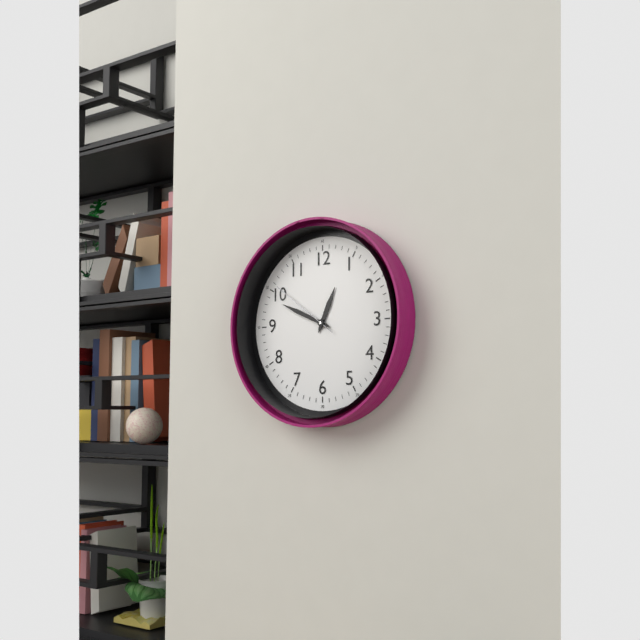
12:49:51
